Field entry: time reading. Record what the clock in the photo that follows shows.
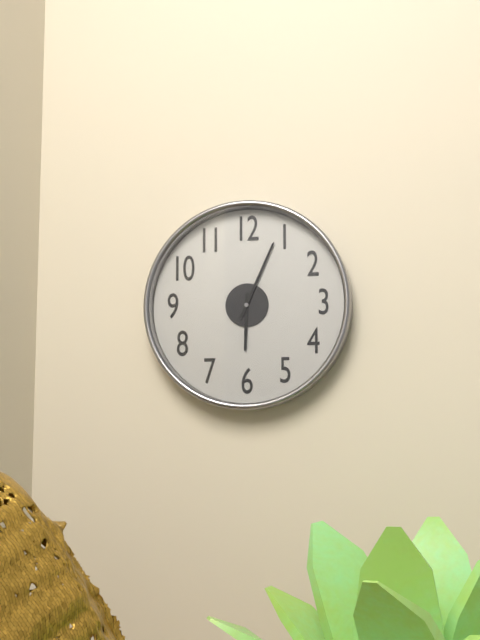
6:04
